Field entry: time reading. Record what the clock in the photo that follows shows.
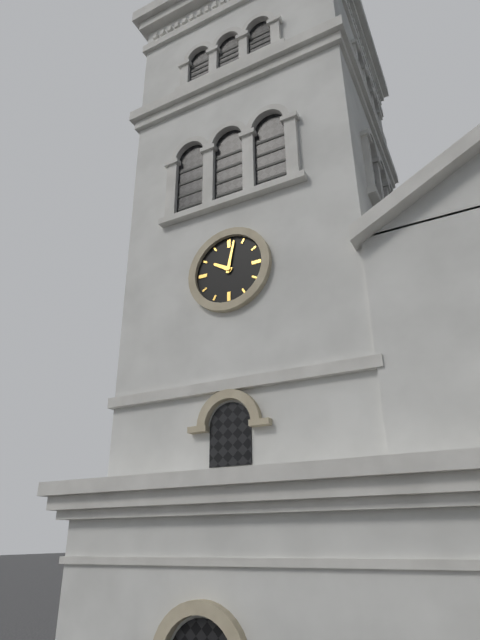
10:02
